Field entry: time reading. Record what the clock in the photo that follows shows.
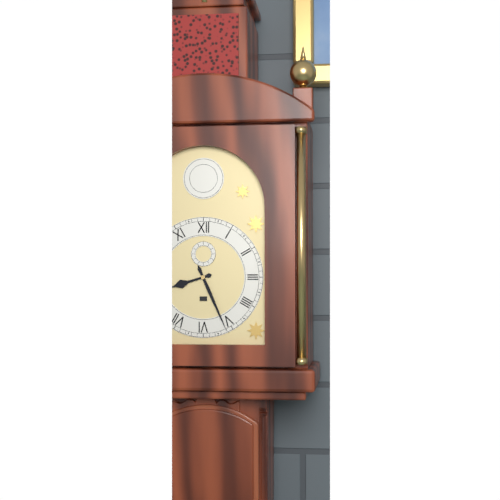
8:26
